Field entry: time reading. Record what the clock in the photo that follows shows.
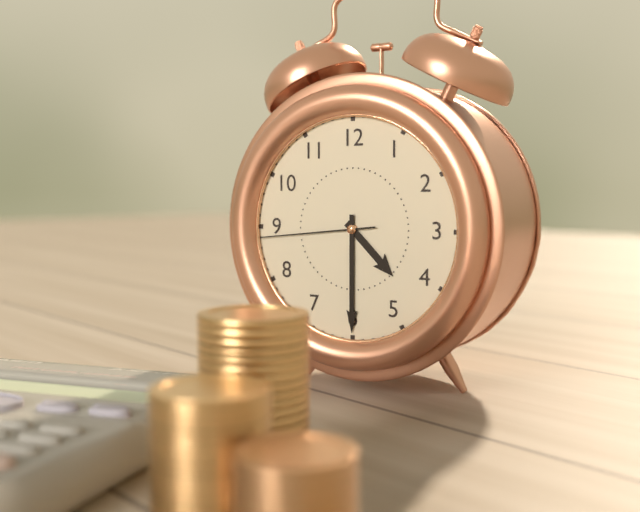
4:30:44
